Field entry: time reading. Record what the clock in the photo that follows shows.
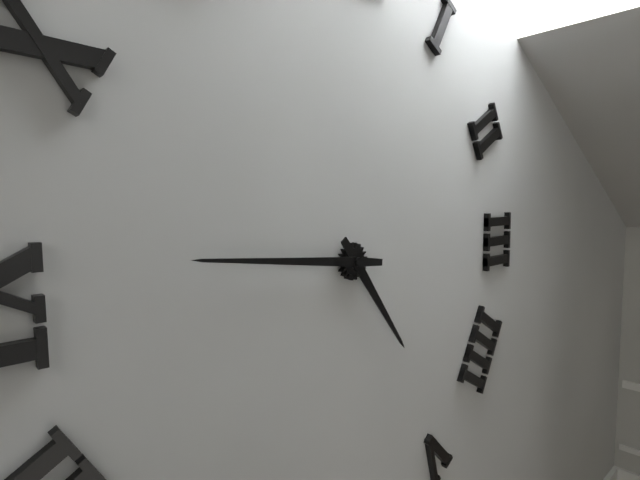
4:46
